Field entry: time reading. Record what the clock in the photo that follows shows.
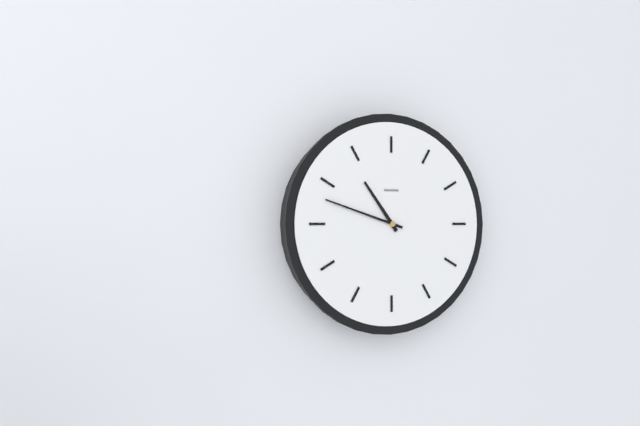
10:48
